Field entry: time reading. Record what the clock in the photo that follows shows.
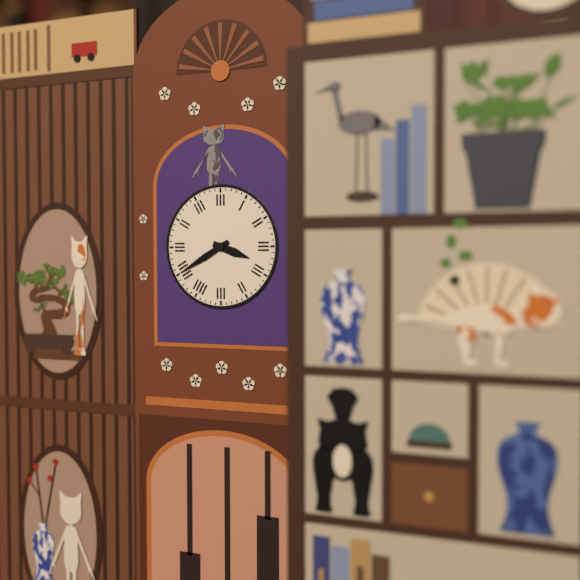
3:40
